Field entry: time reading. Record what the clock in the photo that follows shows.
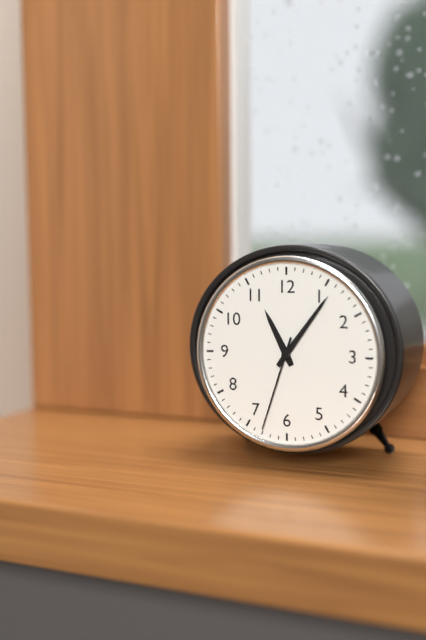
11:06:33
